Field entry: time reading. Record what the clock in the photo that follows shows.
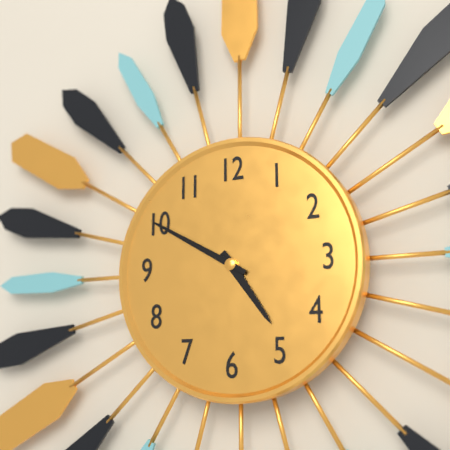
4:50
